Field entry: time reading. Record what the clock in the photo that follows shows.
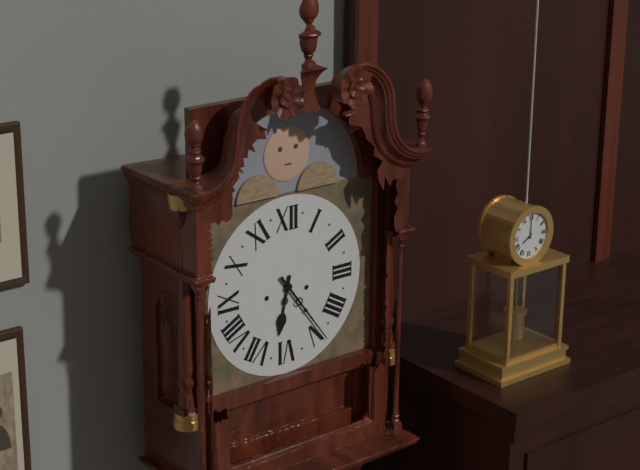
6:24
